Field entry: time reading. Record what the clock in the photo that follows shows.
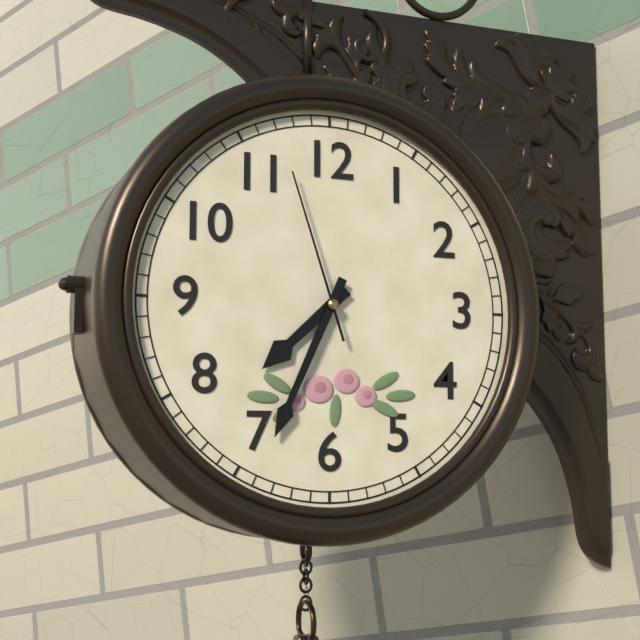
7:34:57
